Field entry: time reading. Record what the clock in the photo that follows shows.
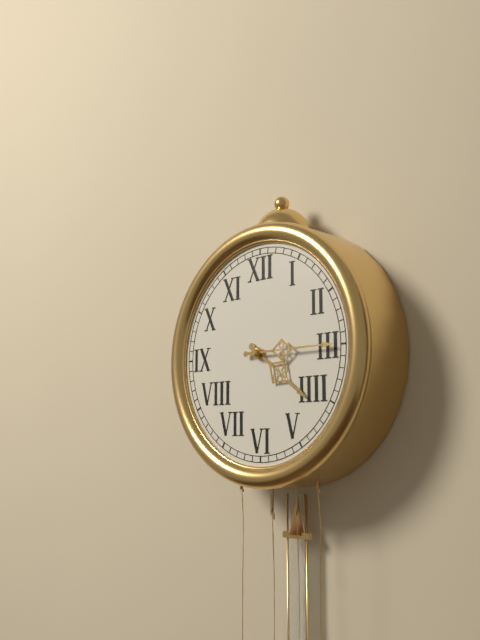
4:15
